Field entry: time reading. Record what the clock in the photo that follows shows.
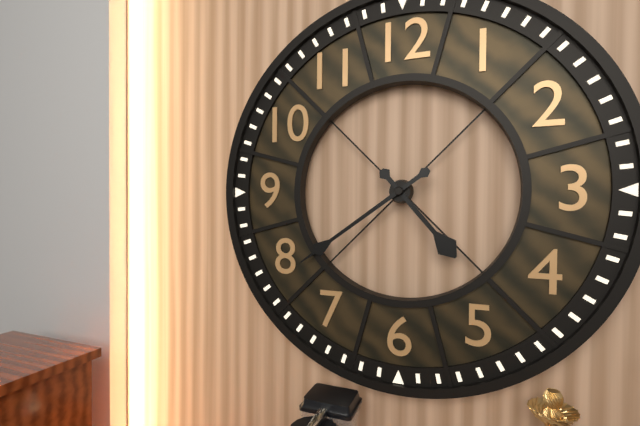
4:39
